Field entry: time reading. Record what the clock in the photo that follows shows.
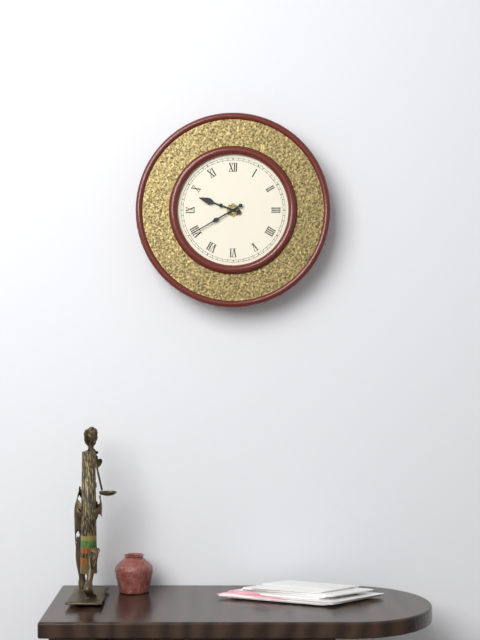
9:40
